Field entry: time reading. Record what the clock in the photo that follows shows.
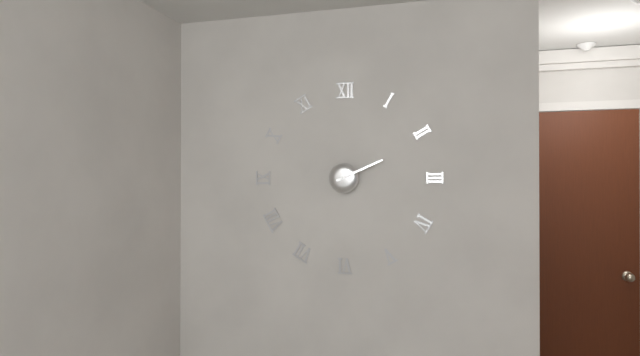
2:11
